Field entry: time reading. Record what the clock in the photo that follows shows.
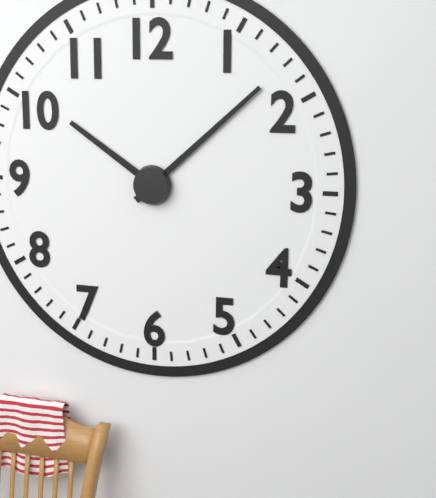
10:08
